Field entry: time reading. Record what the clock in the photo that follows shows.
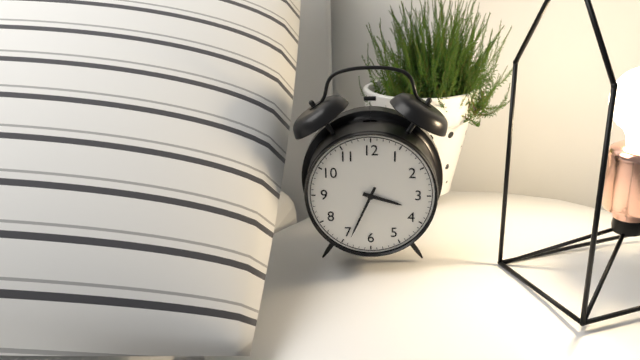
3:34
